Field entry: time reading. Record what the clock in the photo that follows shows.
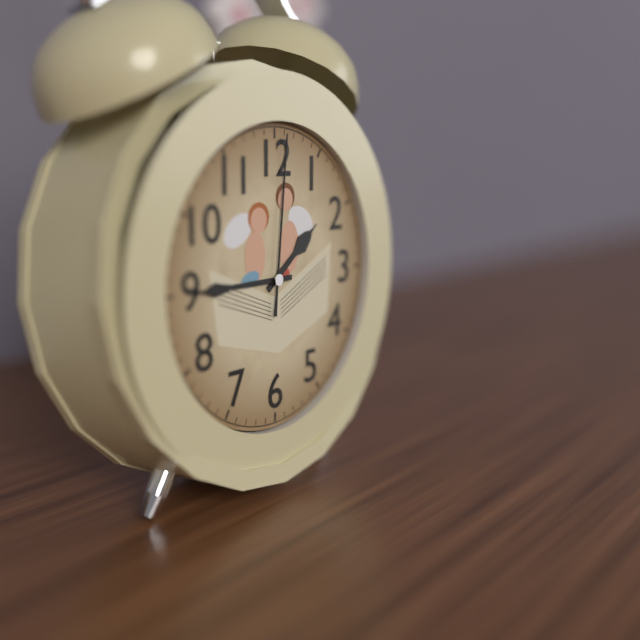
1:45:01
